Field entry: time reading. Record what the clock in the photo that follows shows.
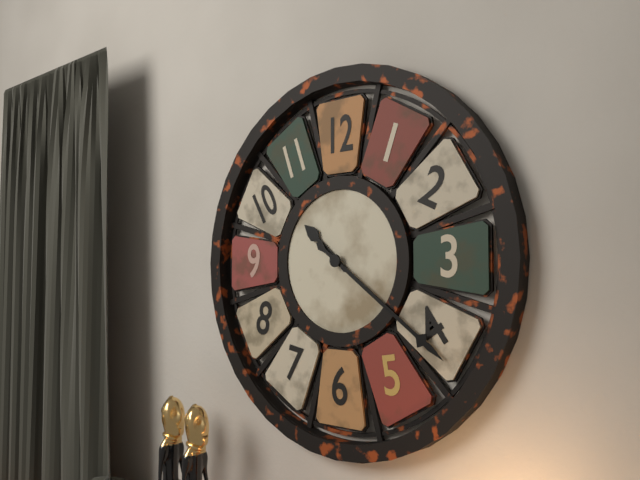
10:21
